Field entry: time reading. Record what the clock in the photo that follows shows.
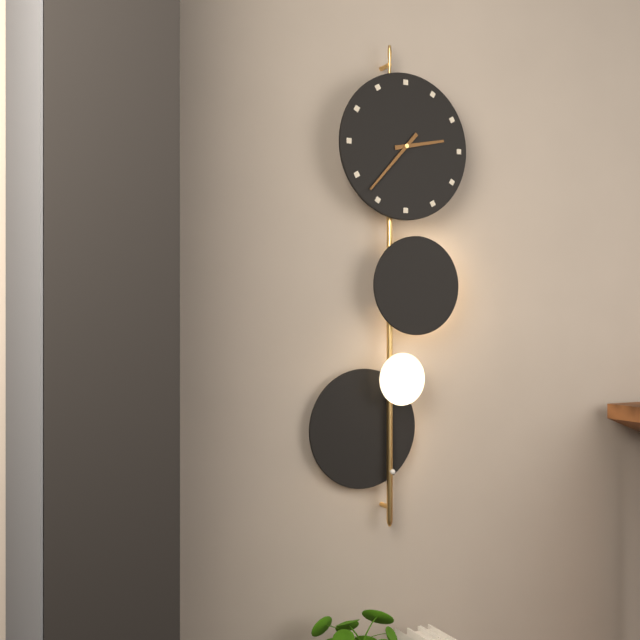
2:37
